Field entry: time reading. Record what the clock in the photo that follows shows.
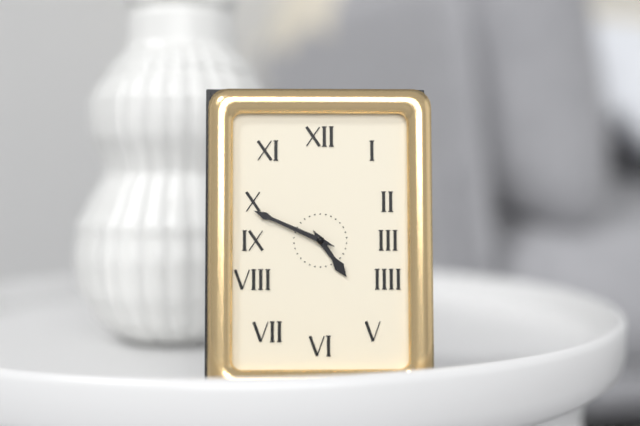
4:49
